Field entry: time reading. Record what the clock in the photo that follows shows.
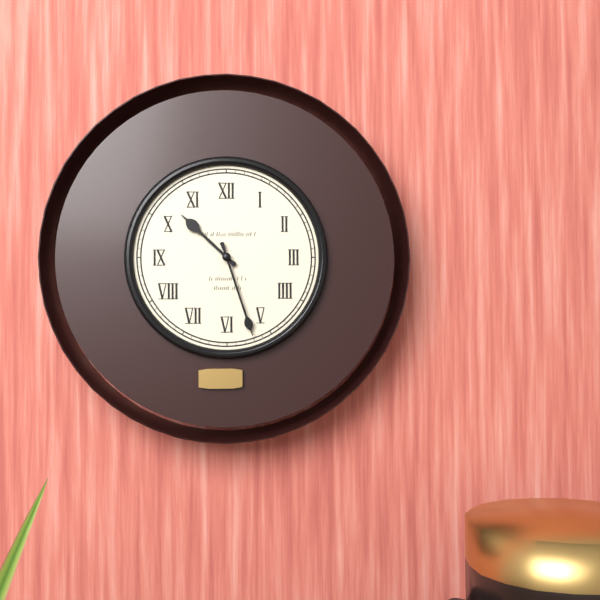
10:27
